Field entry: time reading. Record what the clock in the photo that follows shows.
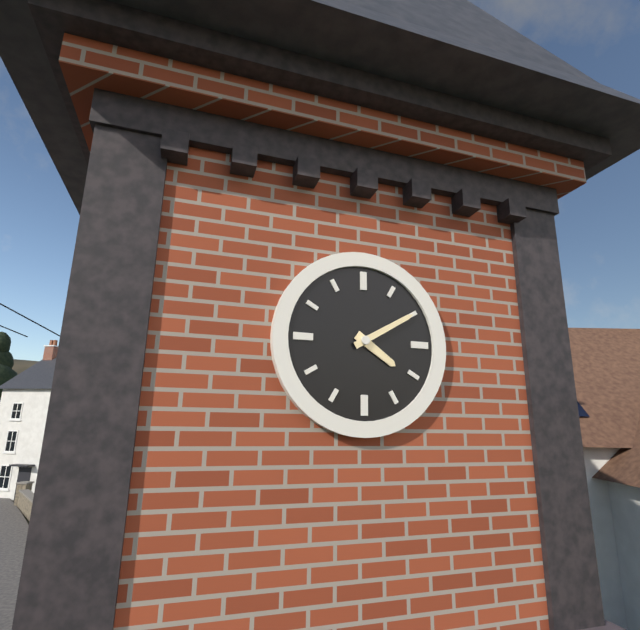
4:10
